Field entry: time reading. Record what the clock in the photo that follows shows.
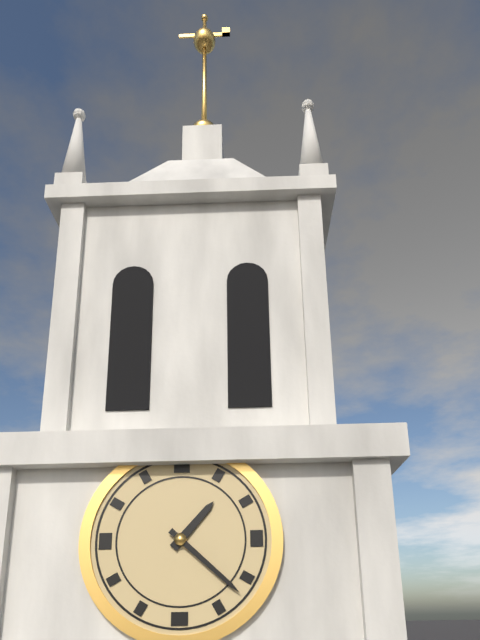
1:22
